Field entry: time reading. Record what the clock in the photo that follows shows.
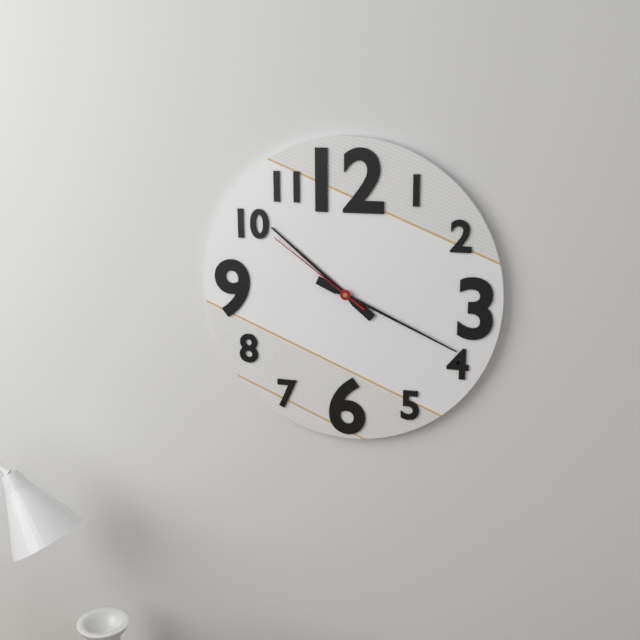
10:19:51
